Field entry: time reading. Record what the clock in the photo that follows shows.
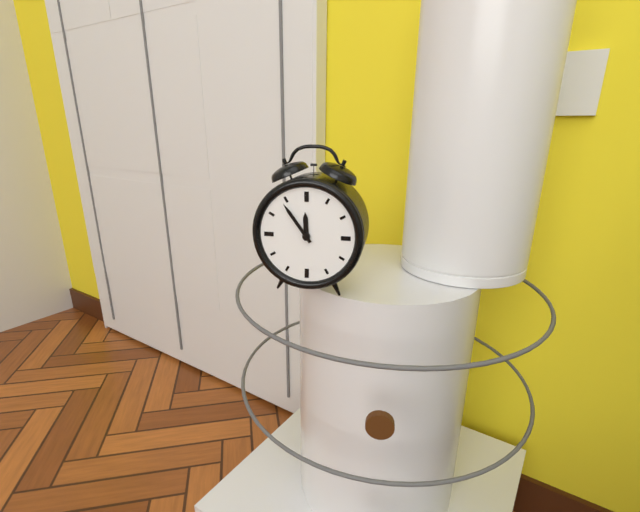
11:54
